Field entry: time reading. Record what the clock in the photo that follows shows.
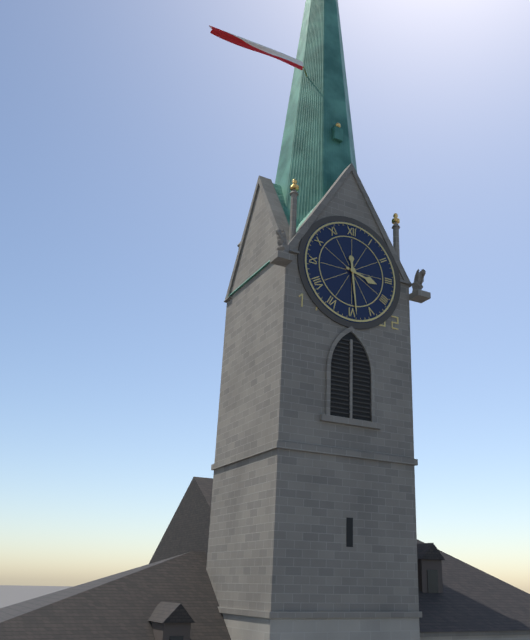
3:29
